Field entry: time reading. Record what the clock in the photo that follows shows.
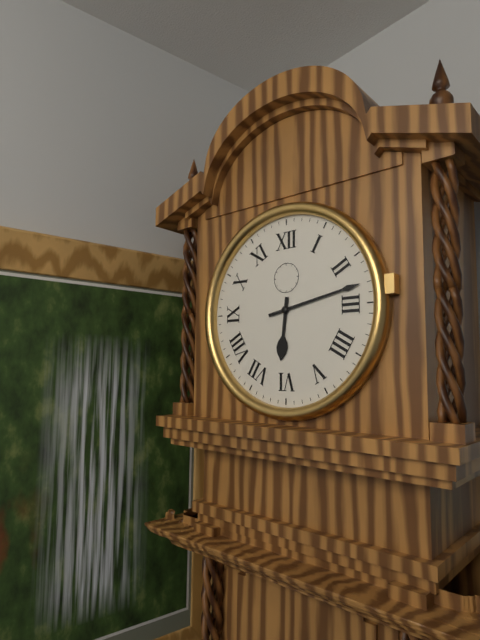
6:13
